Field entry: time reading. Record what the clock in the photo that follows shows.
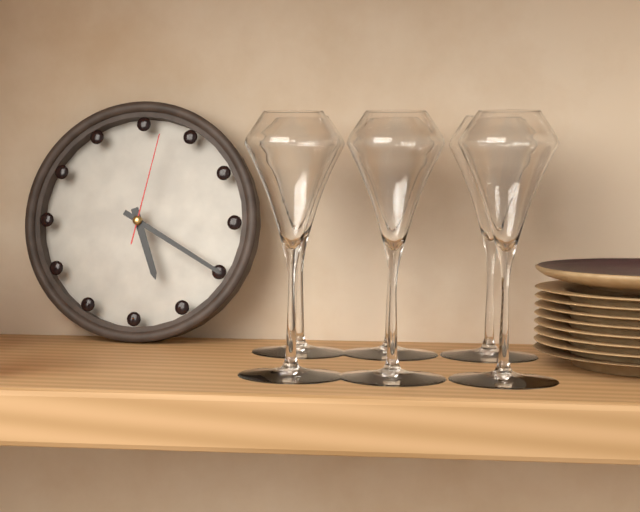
5:20:02
